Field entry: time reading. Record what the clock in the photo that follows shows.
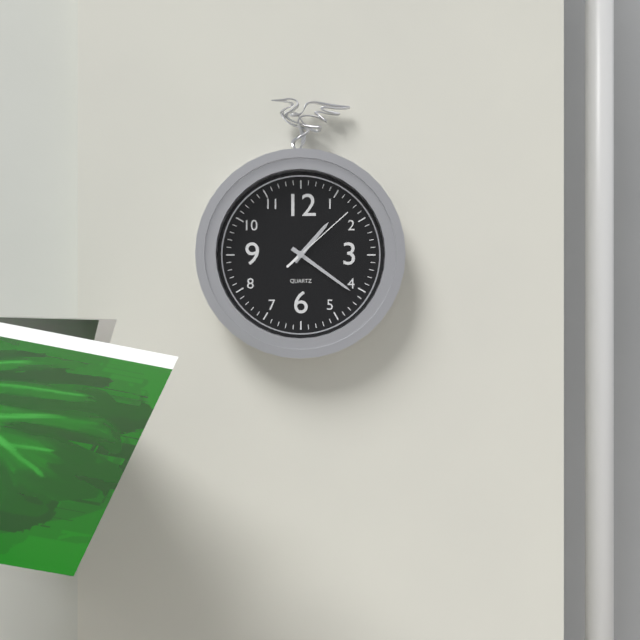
1:21:08
